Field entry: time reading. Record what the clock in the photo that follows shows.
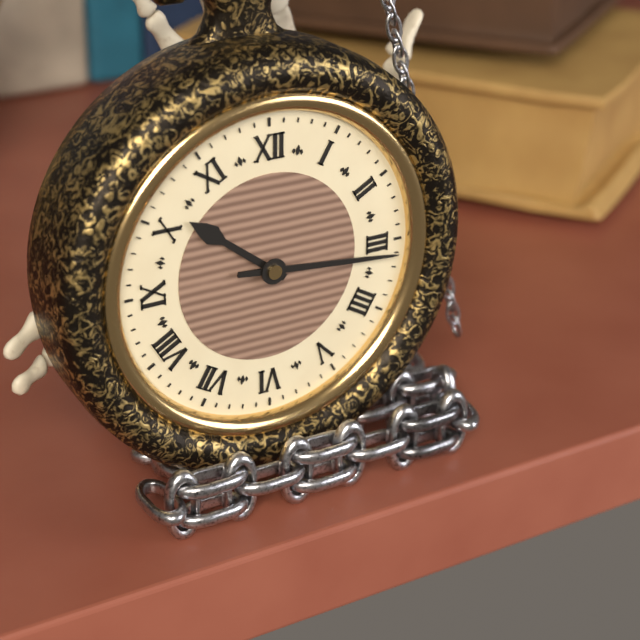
10:16
